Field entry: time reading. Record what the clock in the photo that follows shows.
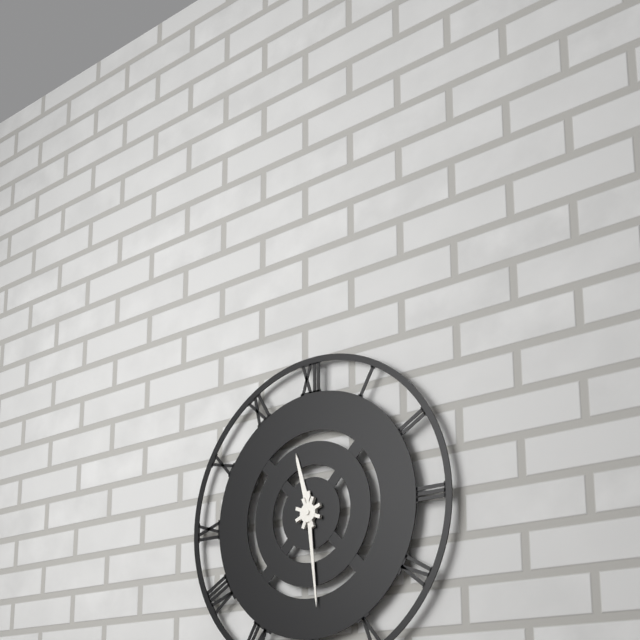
11:29
